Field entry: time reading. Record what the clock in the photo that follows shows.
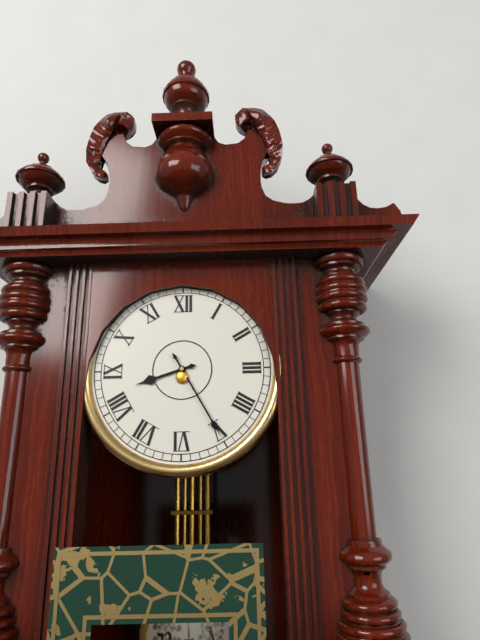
8:25
